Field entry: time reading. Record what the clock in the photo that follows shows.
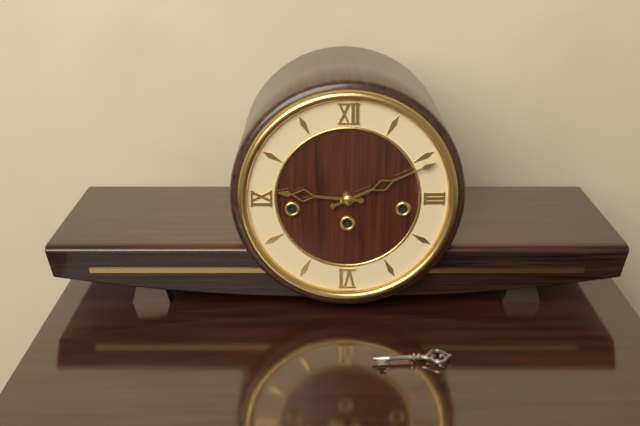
9:11
